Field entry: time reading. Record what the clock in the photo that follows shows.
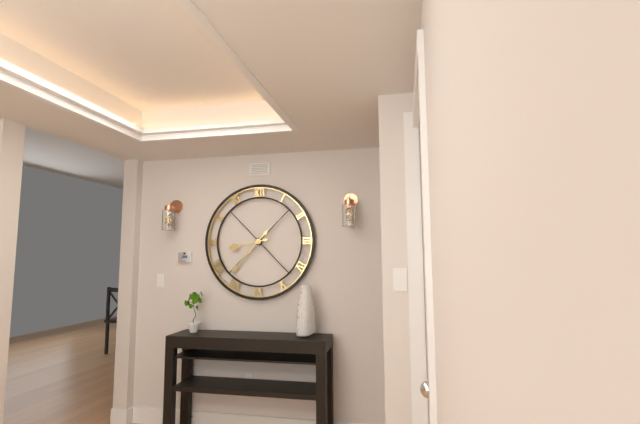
8:37
